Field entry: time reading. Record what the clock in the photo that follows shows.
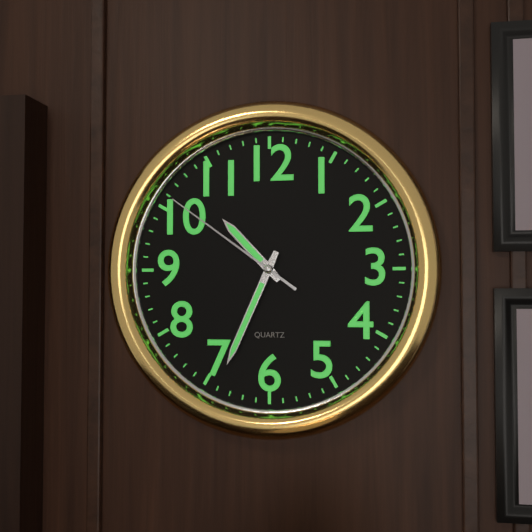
10:34:51
